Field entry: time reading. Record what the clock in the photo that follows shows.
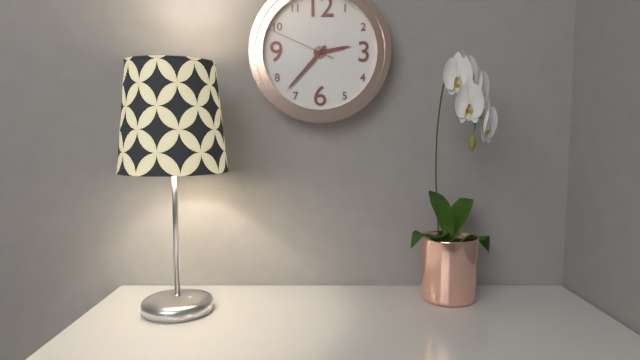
2:37:49
